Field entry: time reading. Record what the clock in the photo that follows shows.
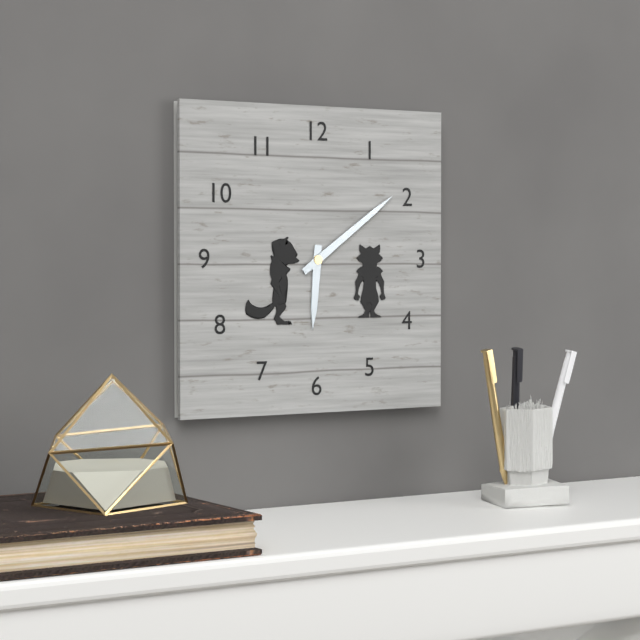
6:09
